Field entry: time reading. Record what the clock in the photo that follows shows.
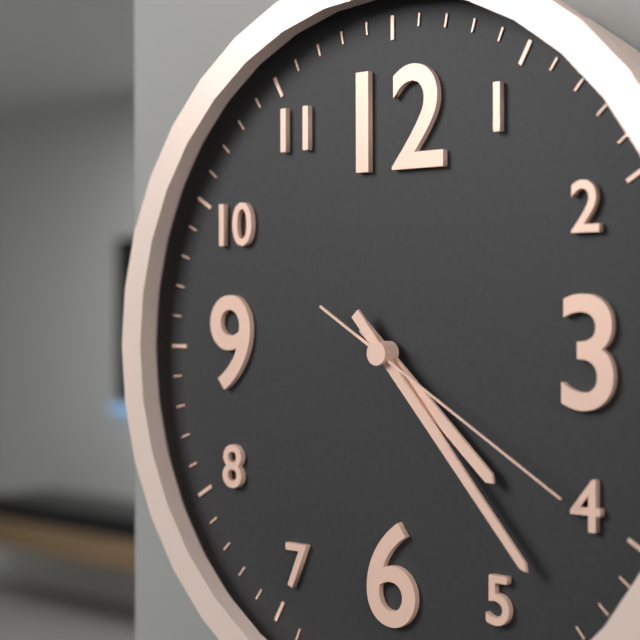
4:23:20
